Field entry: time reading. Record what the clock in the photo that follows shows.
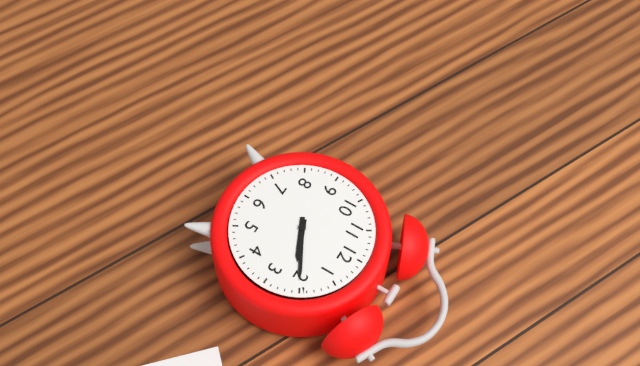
2:10
